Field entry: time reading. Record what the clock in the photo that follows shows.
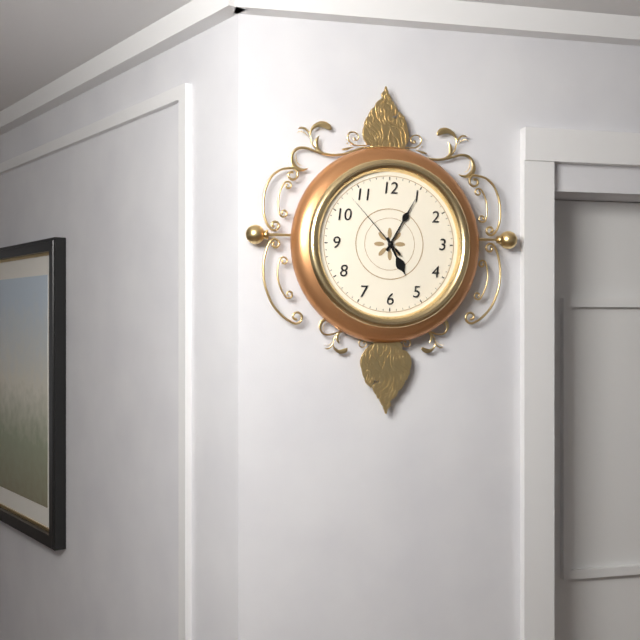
5:05:53
